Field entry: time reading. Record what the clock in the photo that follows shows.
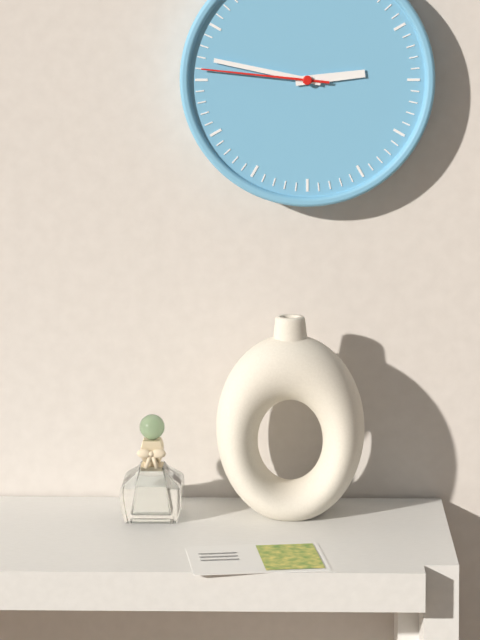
2:47:46
